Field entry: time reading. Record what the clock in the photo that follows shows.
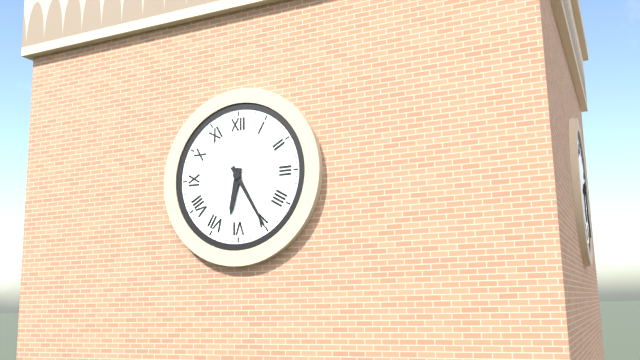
6:25
